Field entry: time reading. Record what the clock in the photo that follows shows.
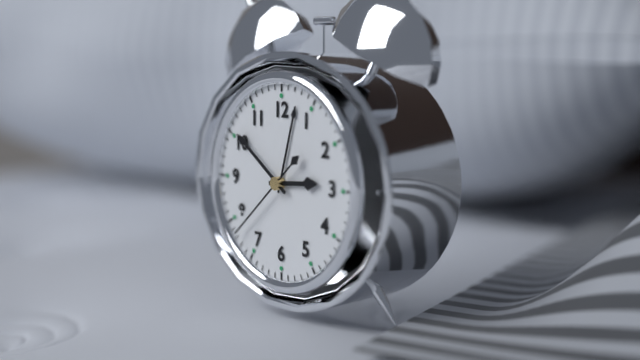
2:51:38
